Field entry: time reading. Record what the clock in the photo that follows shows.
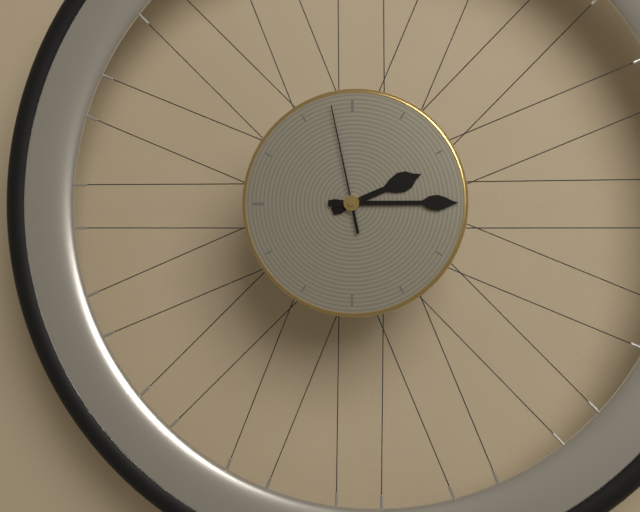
2:15:58
